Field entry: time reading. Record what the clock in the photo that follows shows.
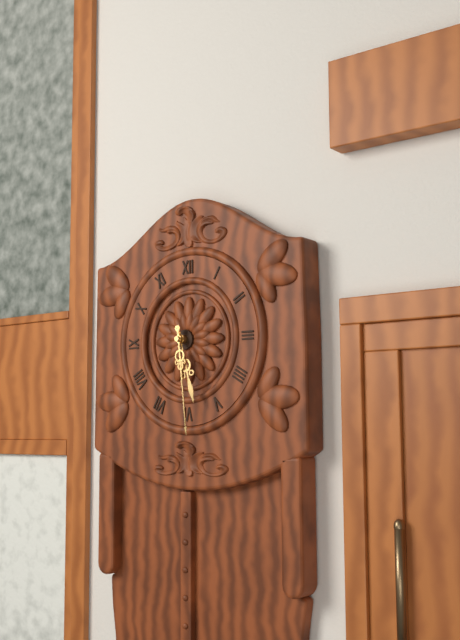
5:29
